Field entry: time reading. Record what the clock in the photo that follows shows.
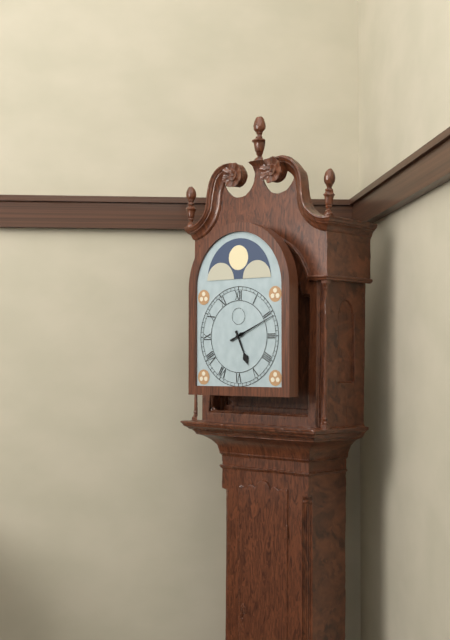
5:11
